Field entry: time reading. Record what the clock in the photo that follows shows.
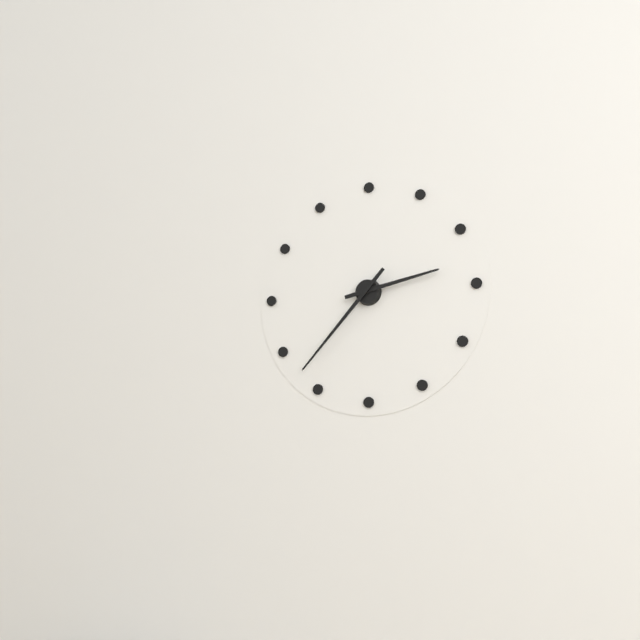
2:37
